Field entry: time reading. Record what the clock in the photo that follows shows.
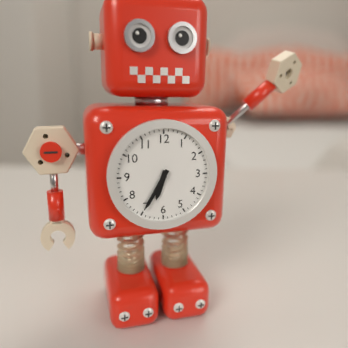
6:35
